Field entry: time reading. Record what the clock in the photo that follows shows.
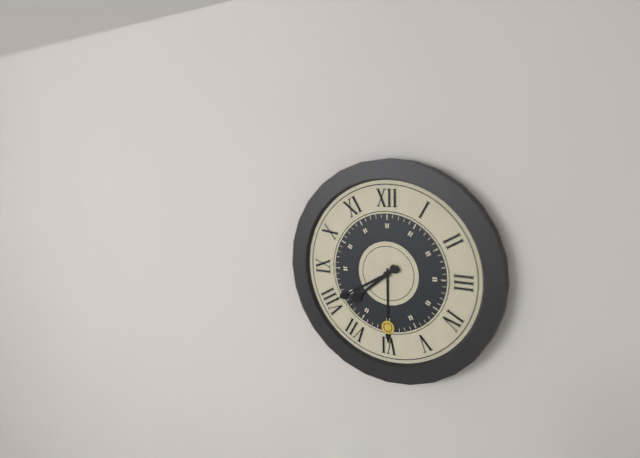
7:40
